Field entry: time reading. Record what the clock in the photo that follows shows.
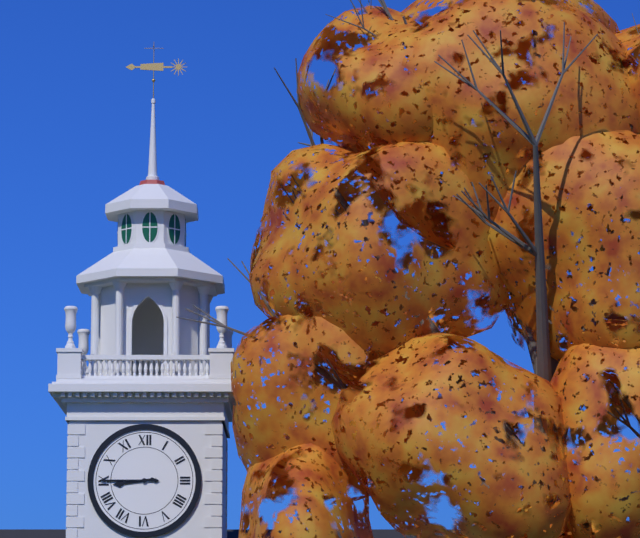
8:45
